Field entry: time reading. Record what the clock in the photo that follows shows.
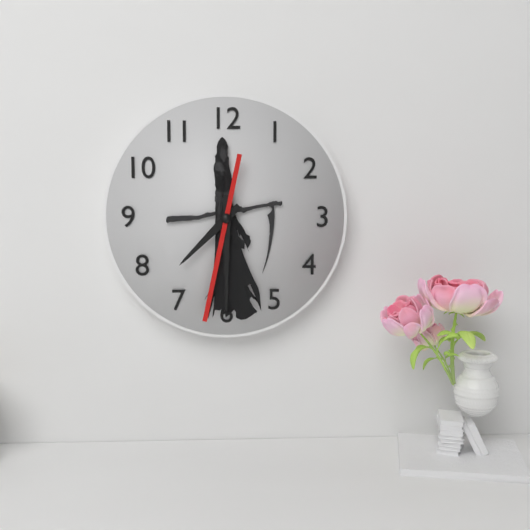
7:30:32
